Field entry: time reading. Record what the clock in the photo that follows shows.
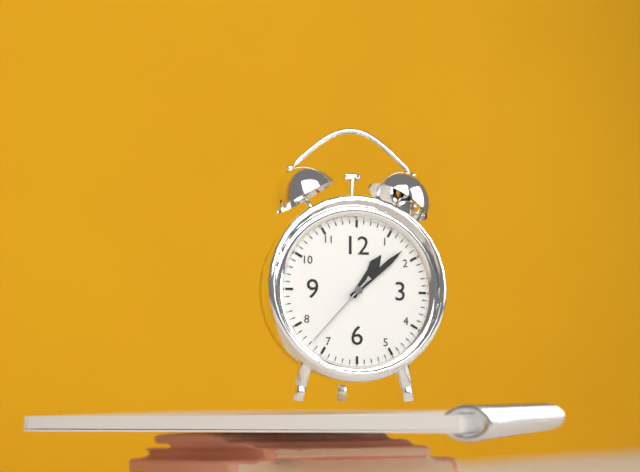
1:08:37
